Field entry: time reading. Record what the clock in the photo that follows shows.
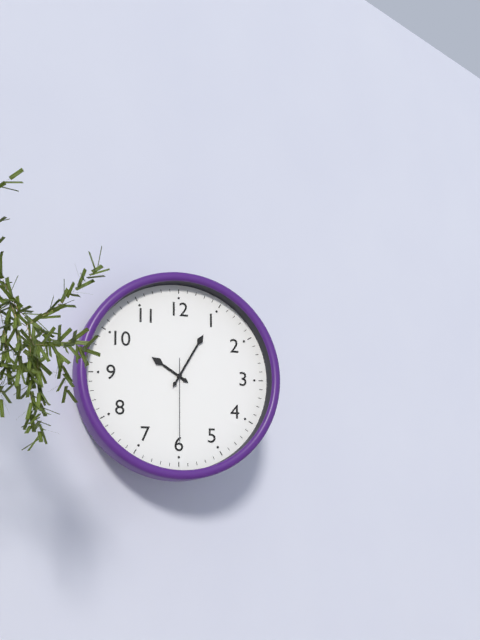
10:05:30
